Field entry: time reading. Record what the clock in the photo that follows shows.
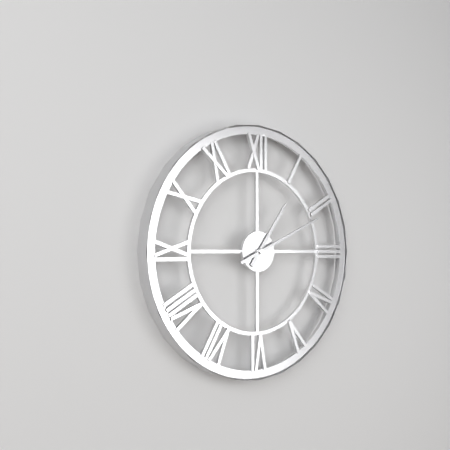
1:11
